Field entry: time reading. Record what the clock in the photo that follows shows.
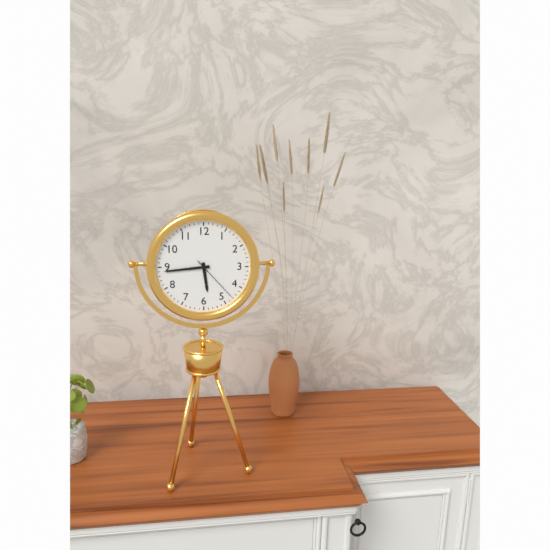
5:44:23
